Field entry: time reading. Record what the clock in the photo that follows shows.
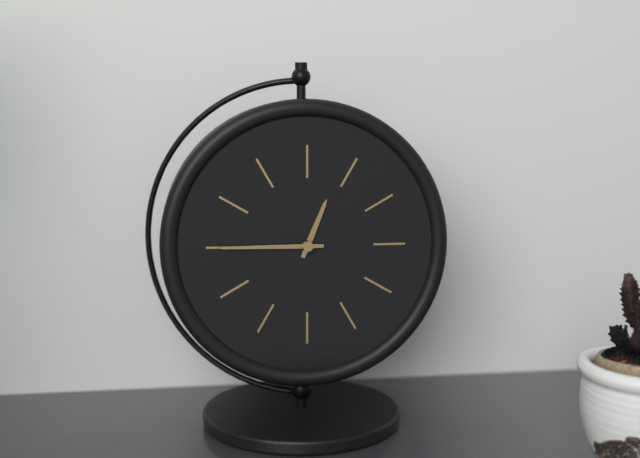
12:45
